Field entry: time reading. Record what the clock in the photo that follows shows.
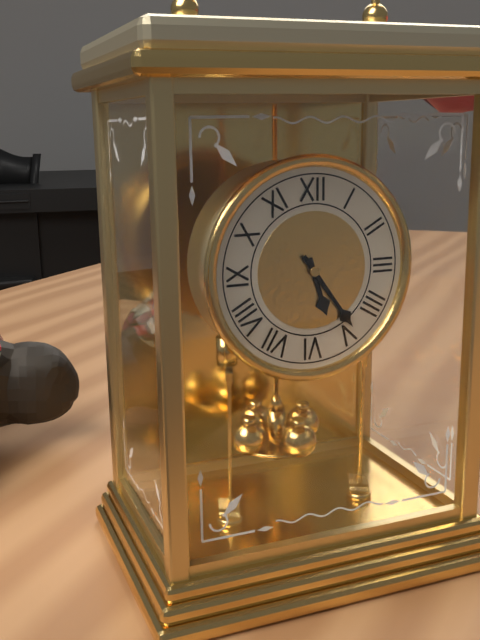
5:24
